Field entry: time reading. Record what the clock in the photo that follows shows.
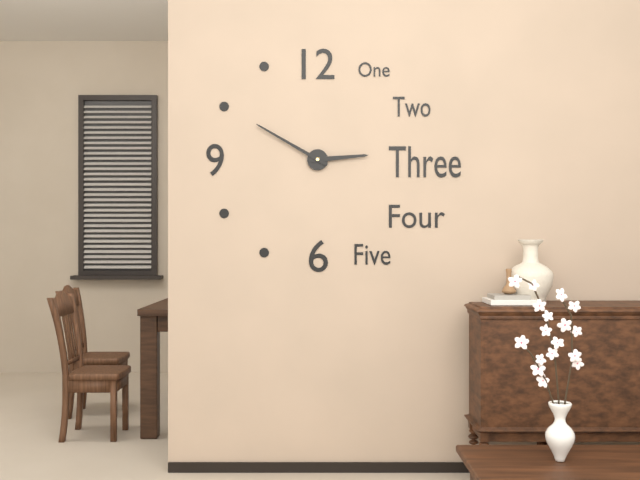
2:50
